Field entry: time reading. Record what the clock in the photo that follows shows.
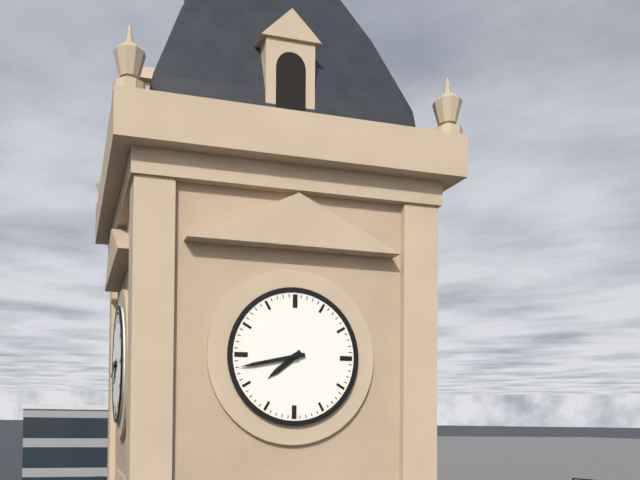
7:43
